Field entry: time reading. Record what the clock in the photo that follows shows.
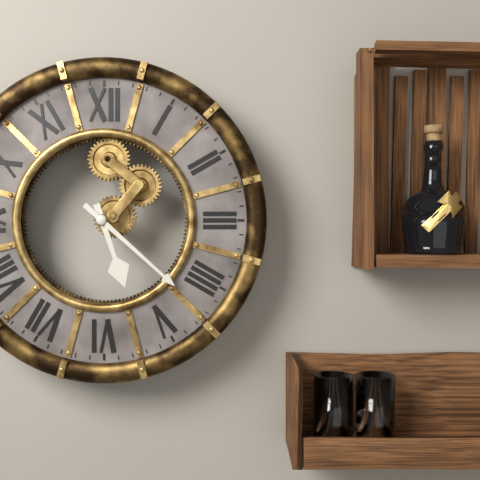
5:22
